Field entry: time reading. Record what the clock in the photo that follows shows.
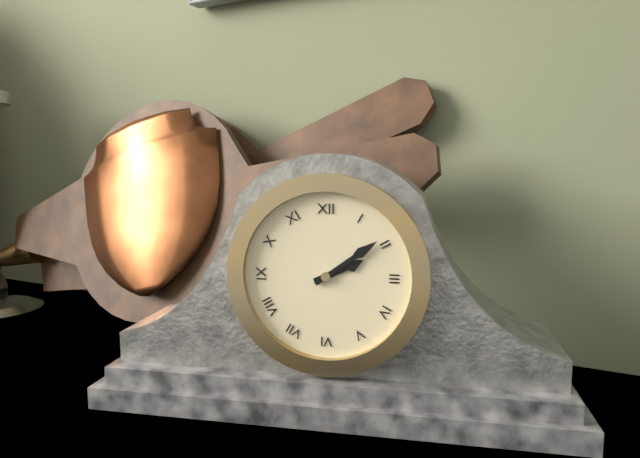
2:09
